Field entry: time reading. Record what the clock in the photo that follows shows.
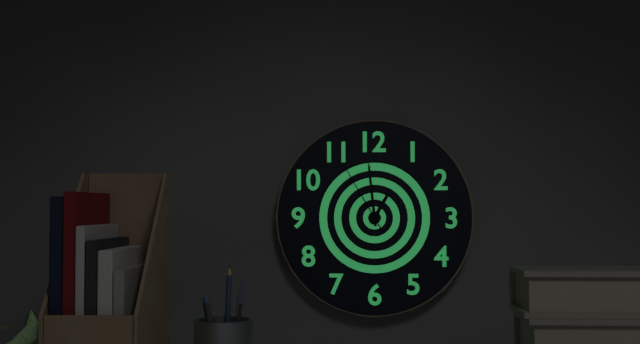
12:59:55
